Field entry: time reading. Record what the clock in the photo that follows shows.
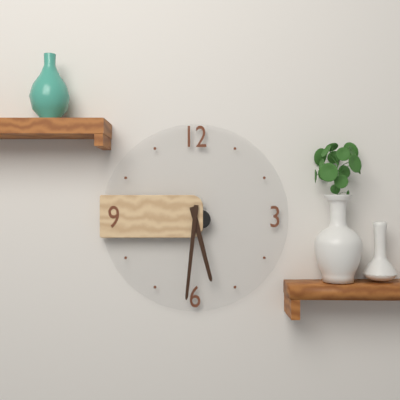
5:31
